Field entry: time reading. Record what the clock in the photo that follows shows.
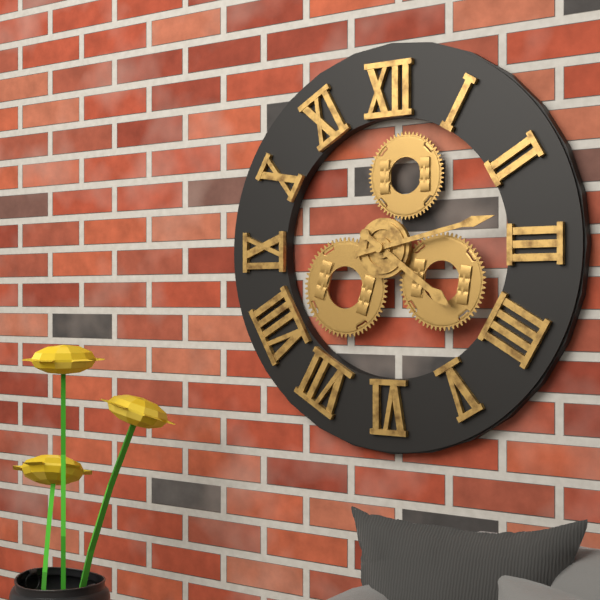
4:13
